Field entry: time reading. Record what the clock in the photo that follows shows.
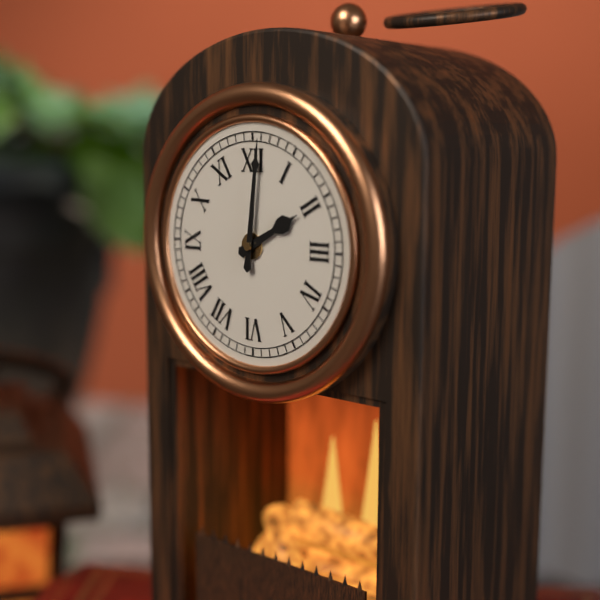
2:01
